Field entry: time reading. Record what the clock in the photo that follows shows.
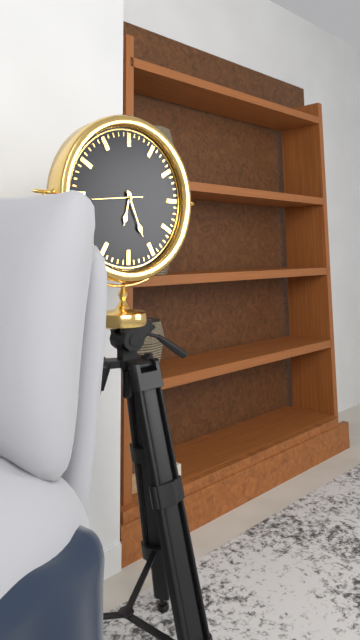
6:26
